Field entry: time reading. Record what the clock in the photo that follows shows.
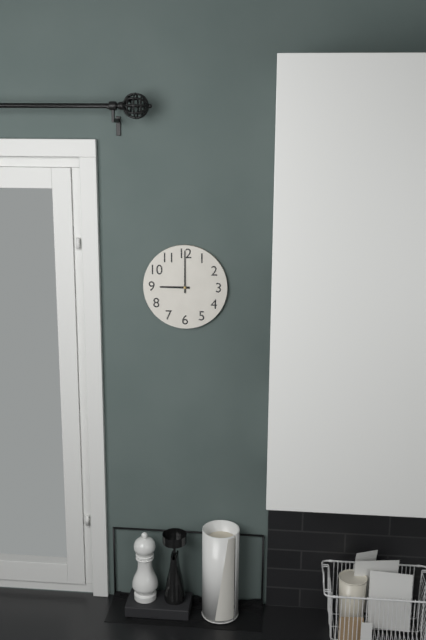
9:00
